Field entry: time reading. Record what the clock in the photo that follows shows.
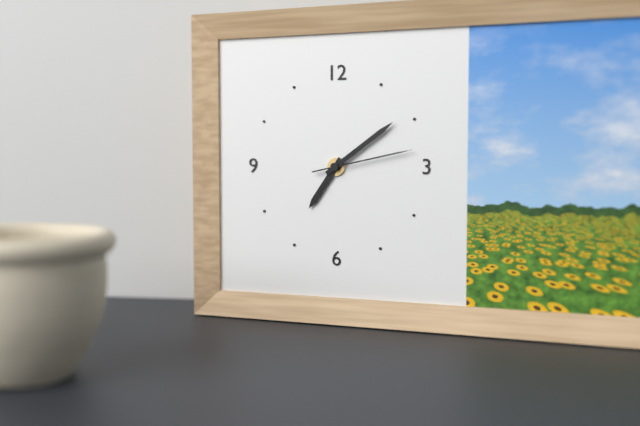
7:09:13
